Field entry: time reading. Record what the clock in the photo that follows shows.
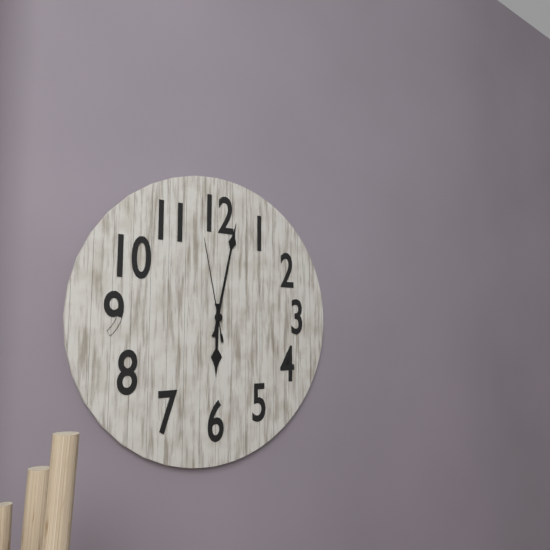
6:02:58
